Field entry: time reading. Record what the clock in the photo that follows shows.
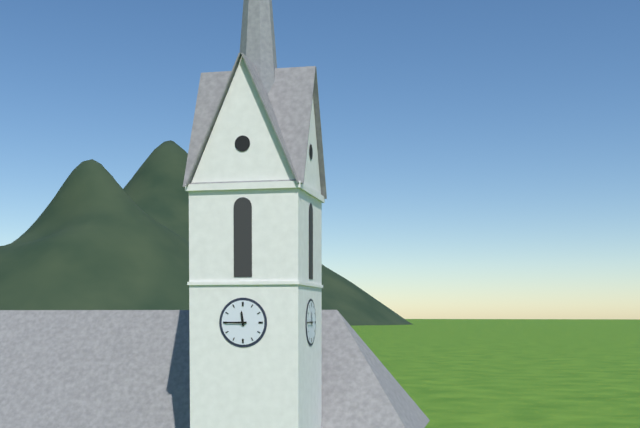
11:45
